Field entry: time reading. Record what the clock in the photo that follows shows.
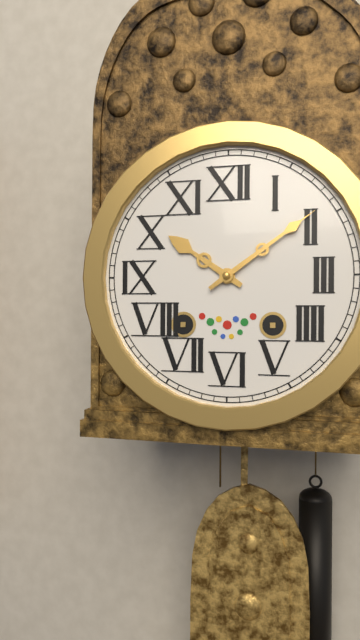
10:09
